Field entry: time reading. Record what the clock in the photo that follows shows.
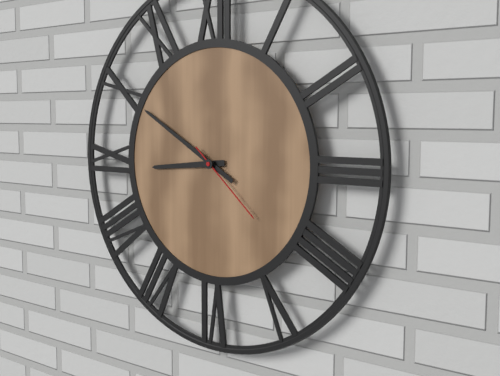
8:50:22
